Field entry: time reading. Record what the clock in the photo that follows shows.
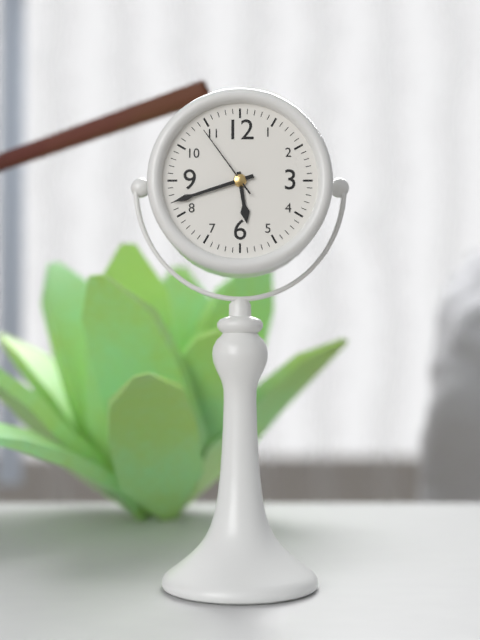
5:42:54
